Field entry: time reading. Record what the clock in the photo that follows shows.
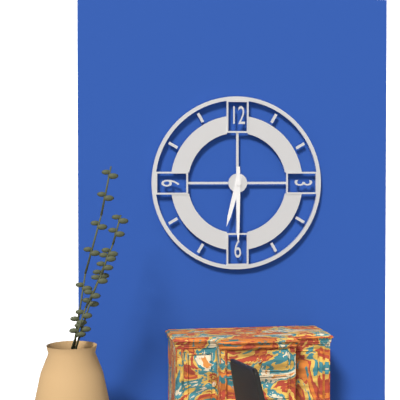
6:30
